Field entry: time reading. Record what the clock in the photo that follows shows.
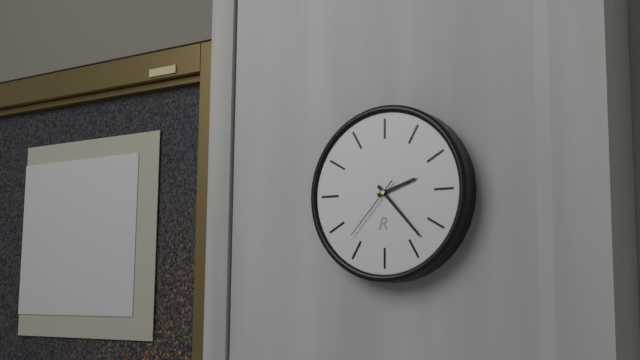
2:23:37
